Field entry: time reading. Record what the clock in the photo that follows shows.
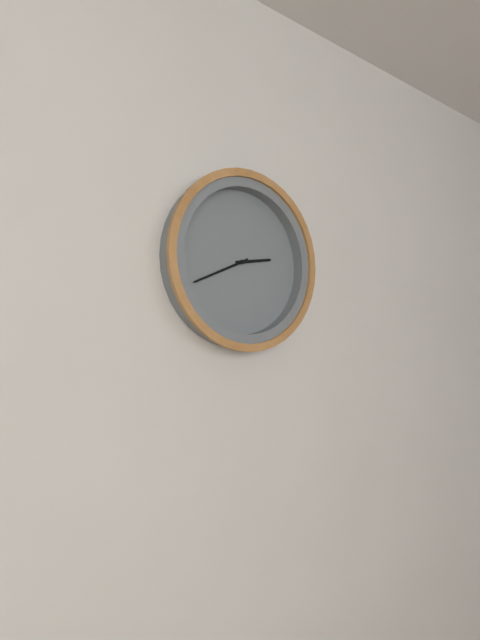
2:41
